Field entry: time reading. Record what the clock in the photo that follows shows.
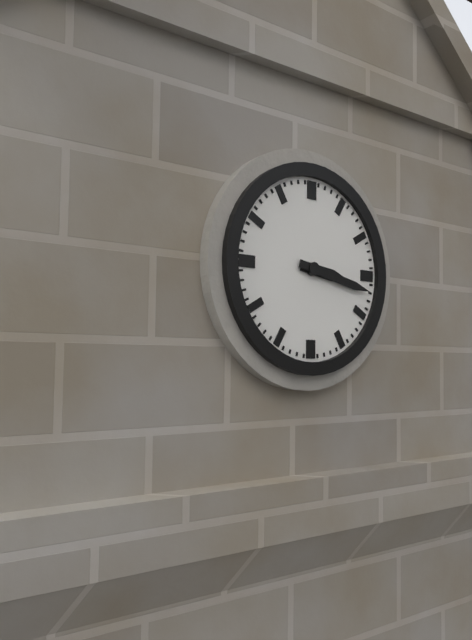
3:17
